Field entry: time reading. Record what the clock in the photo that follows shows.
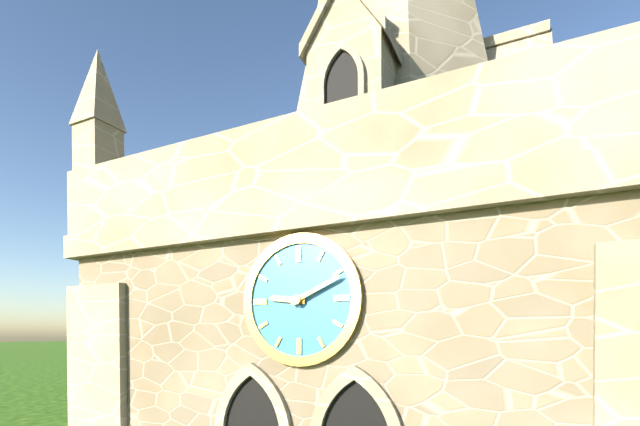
9:11
